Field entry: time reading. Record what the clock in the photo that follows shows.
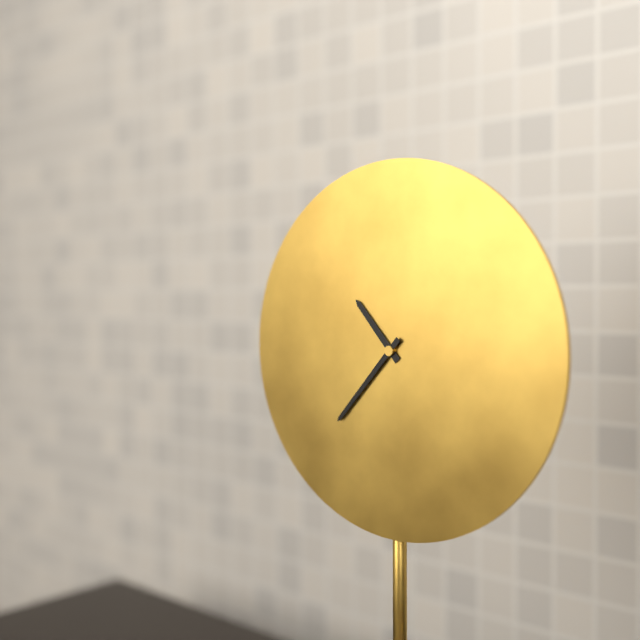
10:37
